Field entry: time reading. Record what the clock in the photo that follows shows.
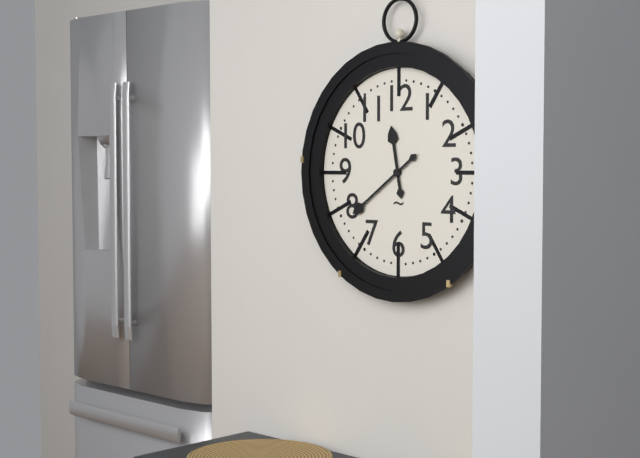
11:39
